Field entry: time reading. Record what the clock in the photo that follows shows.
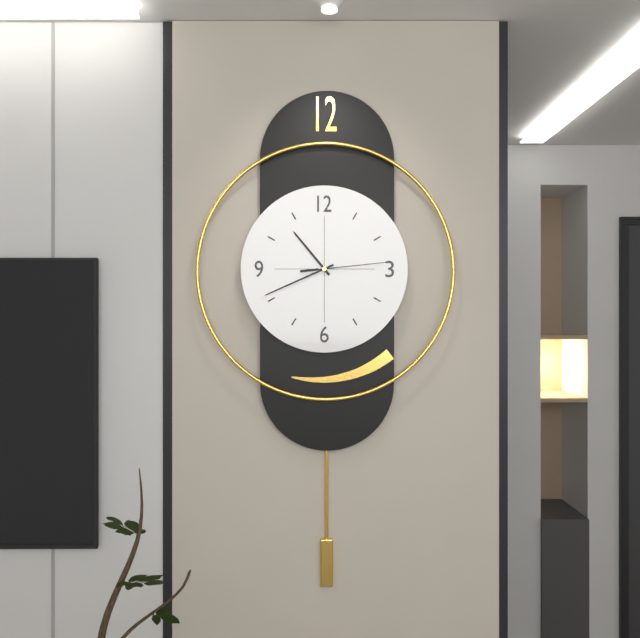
10:41:14
